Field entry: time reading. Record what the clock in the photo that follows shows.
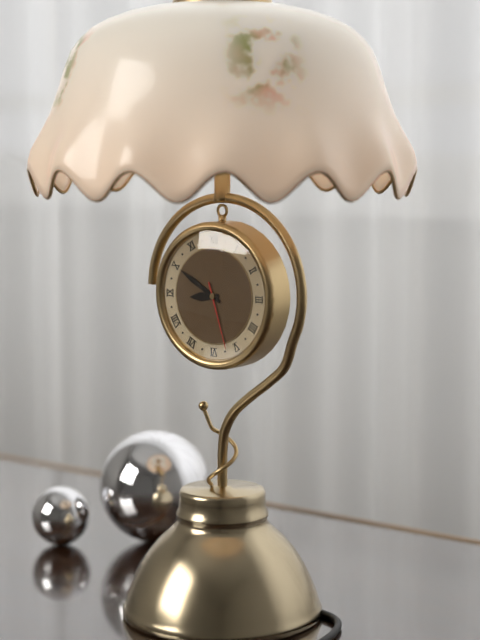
8:50:27
